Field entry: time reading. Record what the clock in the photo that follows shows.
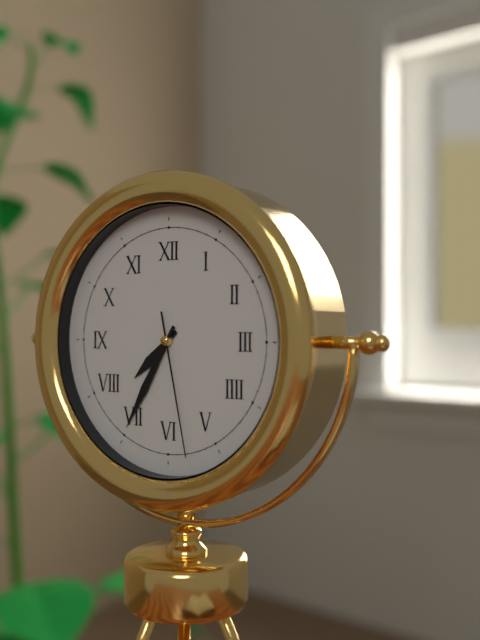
7:35:28
